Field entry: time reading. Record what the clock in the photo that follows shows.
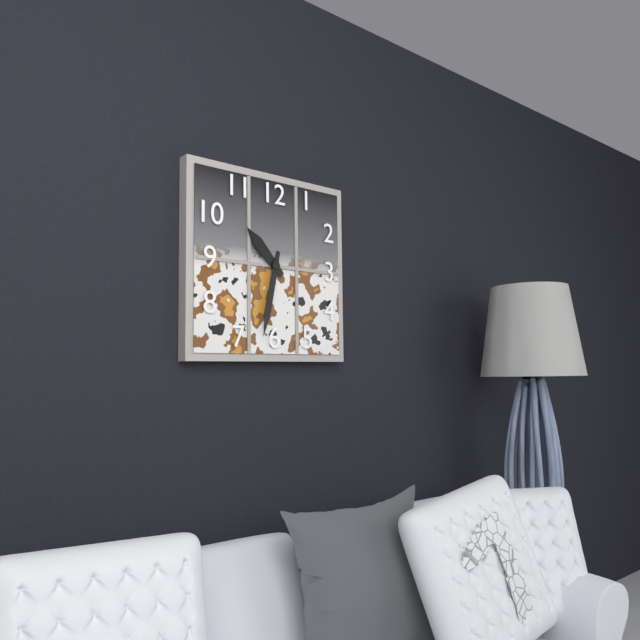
10:32
